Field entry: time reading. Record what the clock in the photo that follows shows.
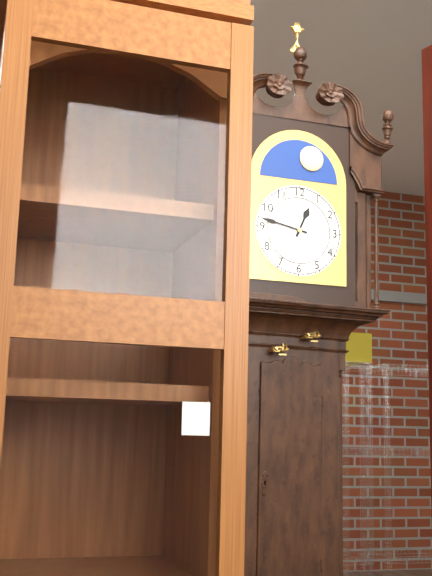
12:47
